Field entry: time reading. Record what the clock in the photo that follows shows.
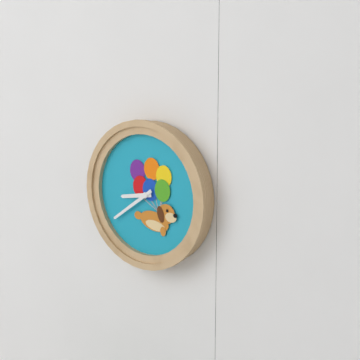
8:39
